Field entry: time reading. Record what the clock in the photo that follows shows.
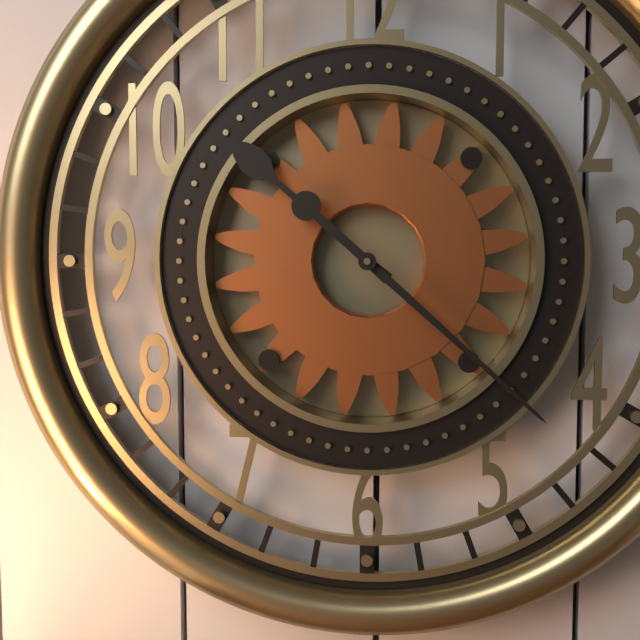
10:22
